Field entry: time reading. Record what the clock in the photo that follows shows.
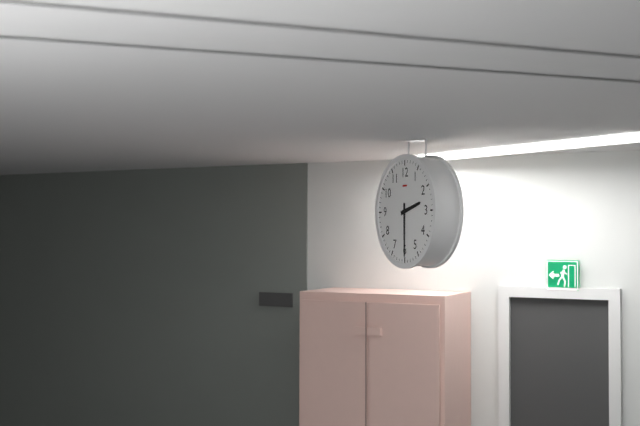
2:30
